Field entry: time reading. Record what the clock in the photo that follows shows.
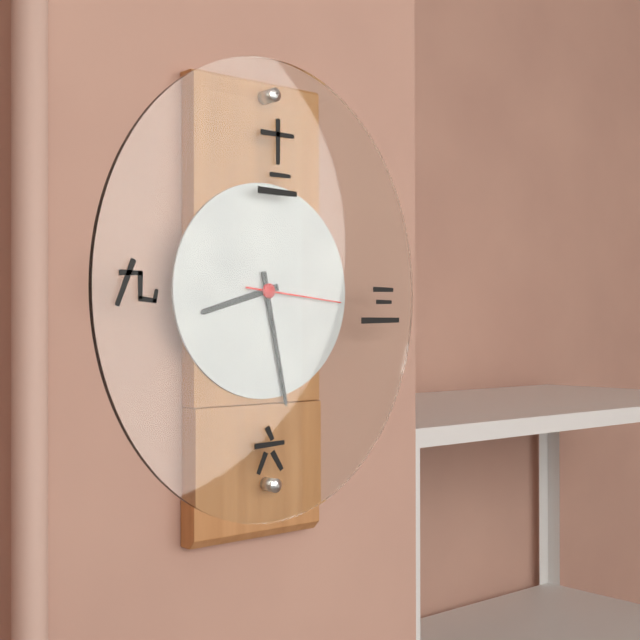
8:28:16
